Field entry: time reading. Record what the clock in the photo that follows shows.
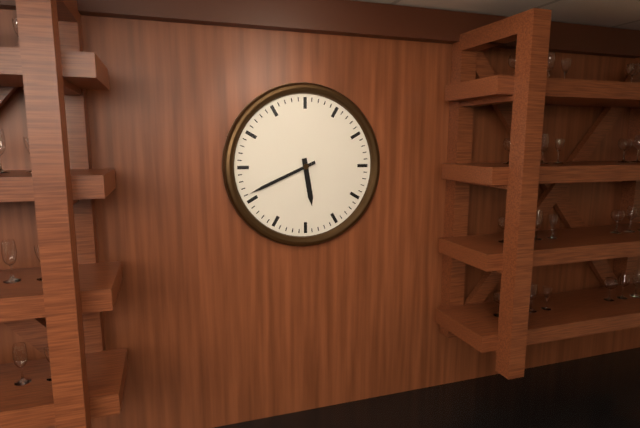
5:41
